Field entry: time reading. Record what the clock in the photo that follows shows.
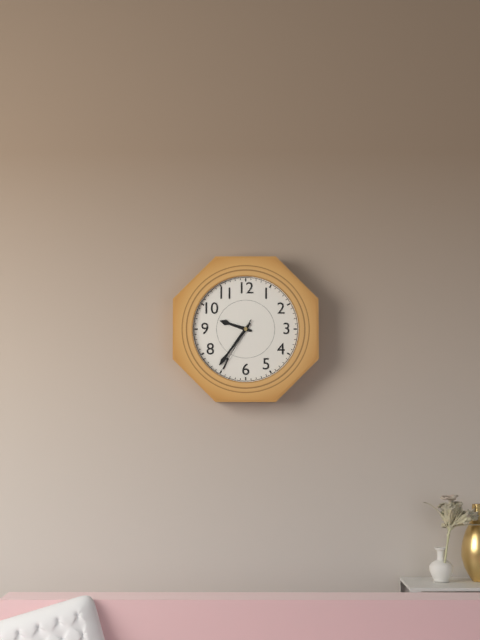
9:36:35
